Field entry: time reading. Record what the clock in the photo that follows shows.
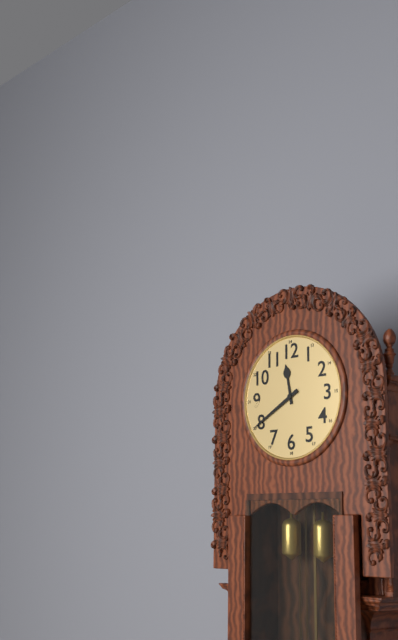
11:40
